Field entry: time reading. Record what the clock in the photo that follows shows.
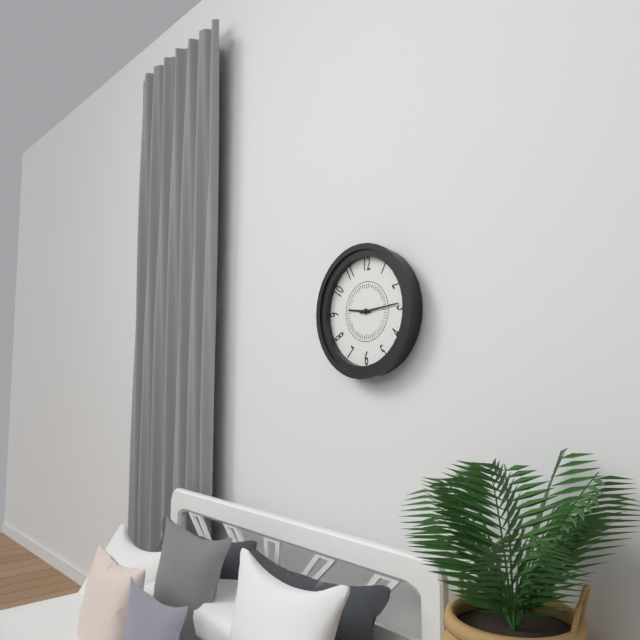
9:14
